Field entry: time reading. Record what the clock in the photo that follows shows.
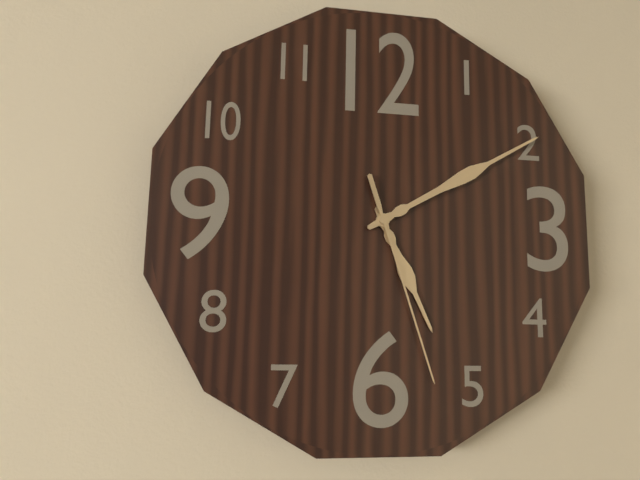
5:10:27
